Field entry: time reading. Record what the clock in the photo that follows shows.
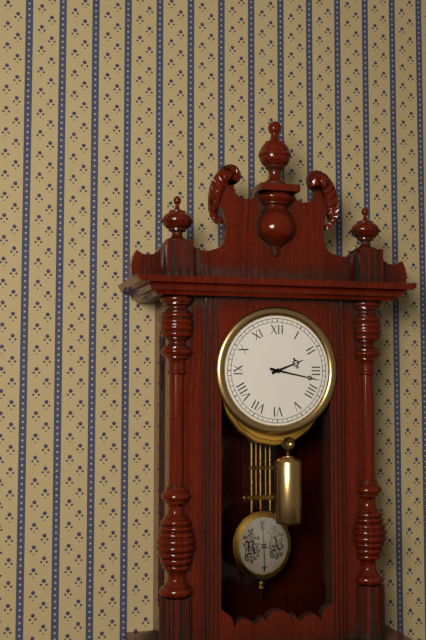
2:17
